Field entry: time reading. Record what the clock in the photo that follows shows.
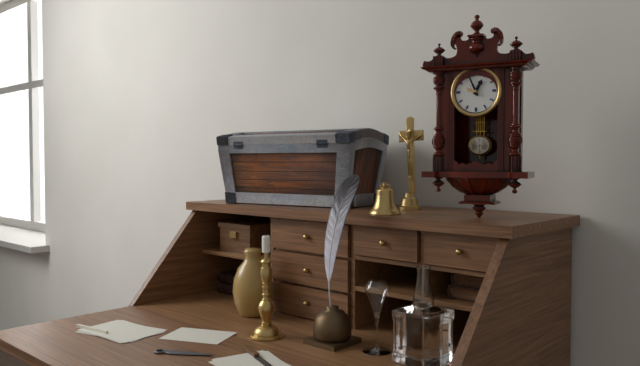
12:56
